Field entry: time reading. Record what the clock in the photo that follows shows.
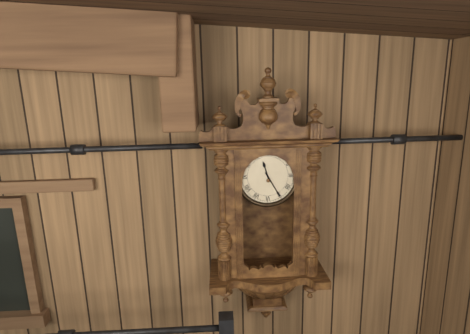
11:25
